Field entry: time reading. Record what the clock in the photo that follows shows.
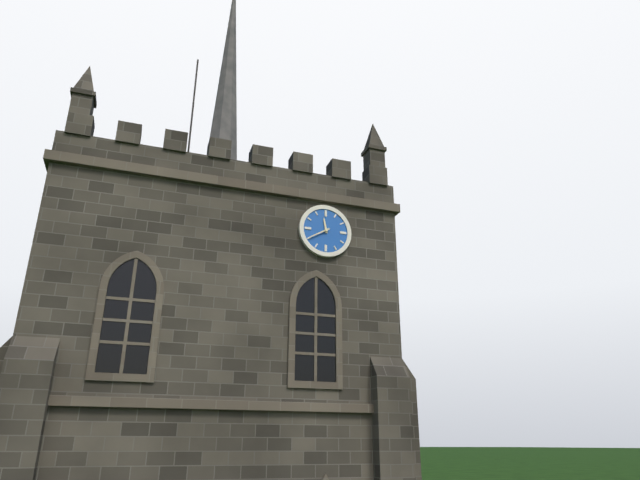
11:40
